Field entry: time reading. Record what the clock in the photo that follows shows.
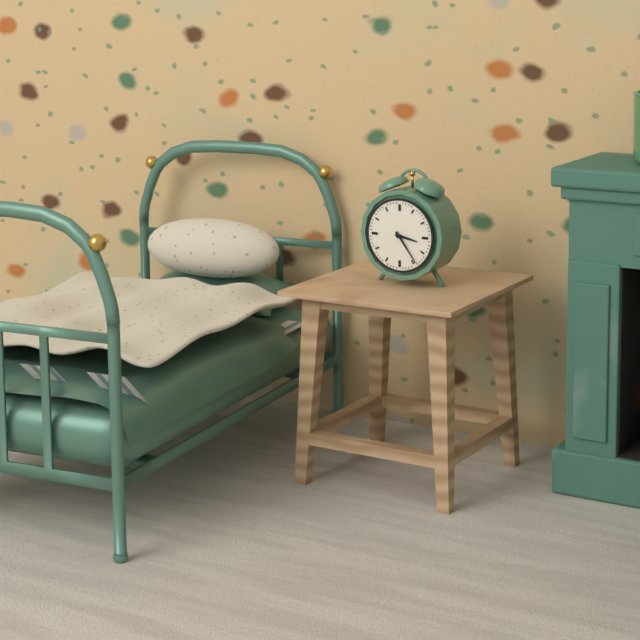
3:24
